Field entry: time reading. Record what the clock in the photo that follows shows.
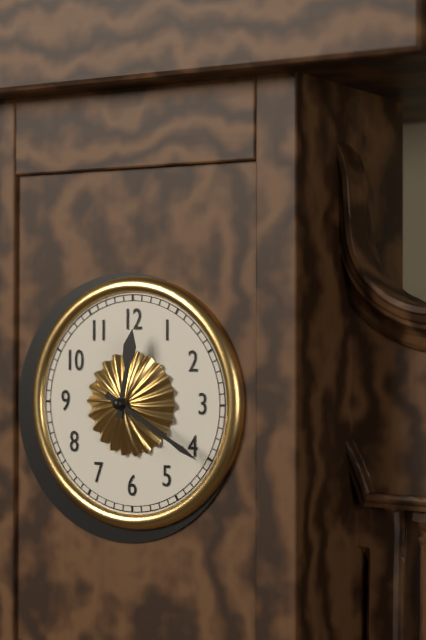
12:20
